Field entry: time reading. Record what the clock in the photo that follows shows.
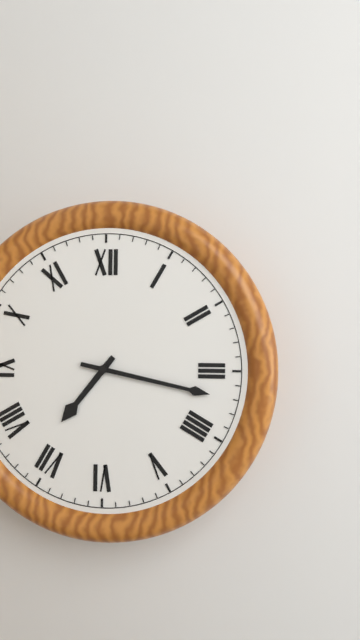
7:17
